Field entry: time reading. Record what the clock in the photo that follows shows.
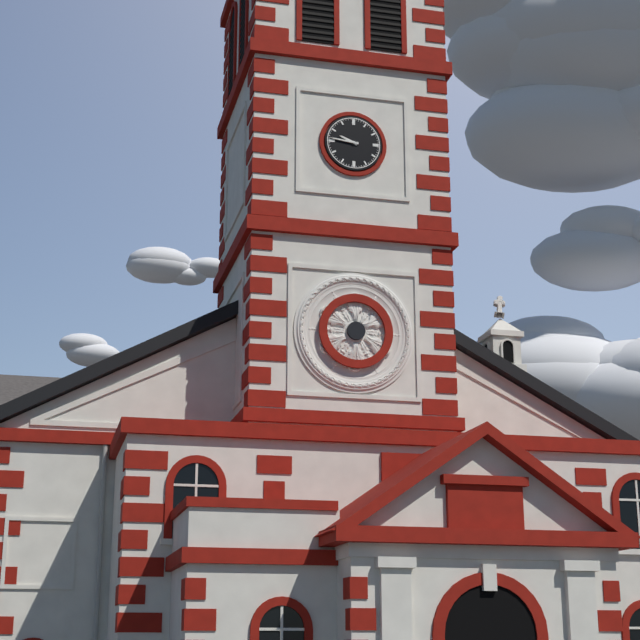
9:46
